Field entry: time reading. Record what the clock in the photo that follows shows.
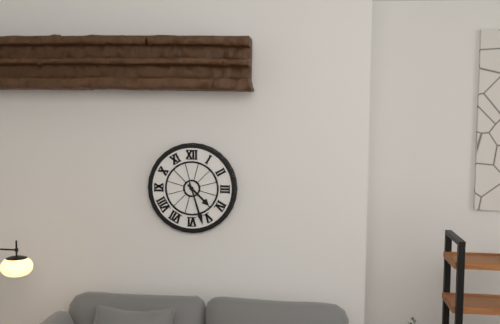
4:27
